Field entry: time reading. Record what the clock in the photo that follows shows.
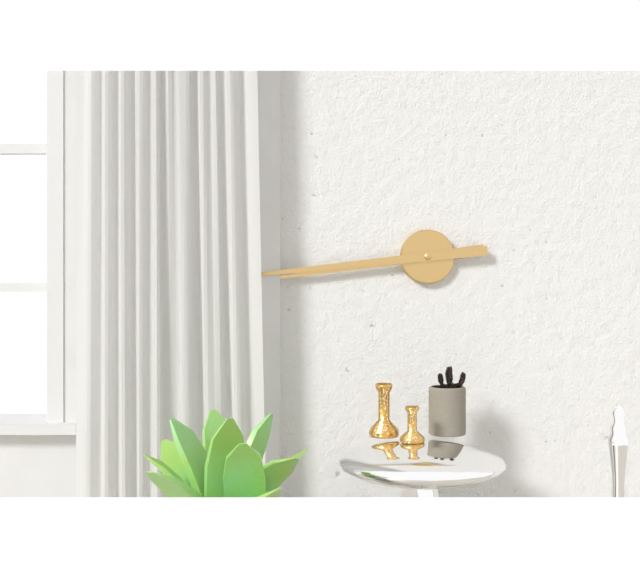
8:44
